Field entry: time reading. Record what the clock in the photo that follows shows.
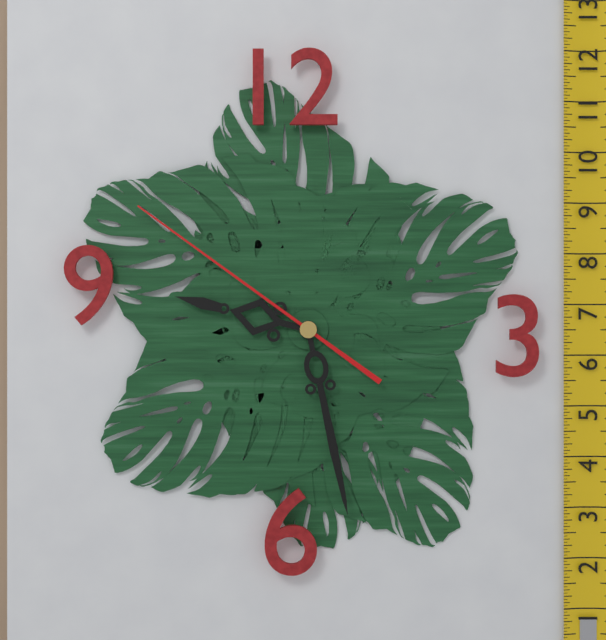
9:28:51
